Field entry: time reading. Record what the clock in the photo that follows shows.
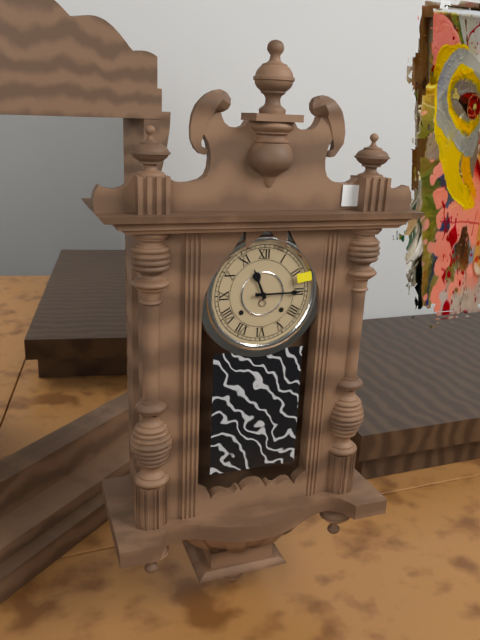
11:15
